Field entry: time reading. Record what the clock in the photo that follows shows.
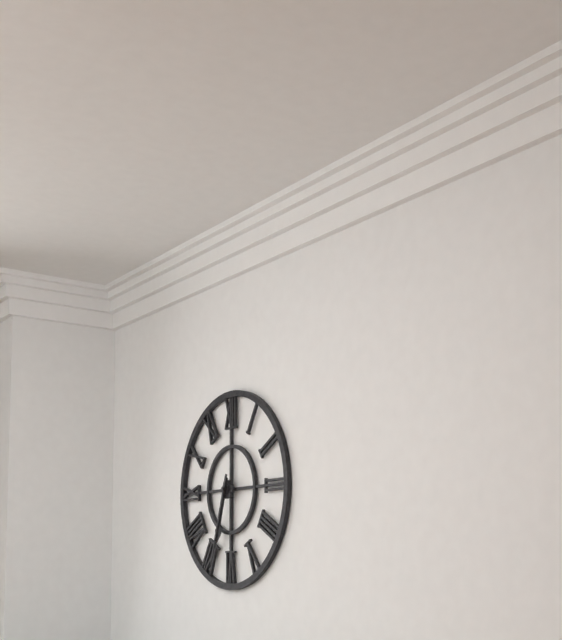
6:33
